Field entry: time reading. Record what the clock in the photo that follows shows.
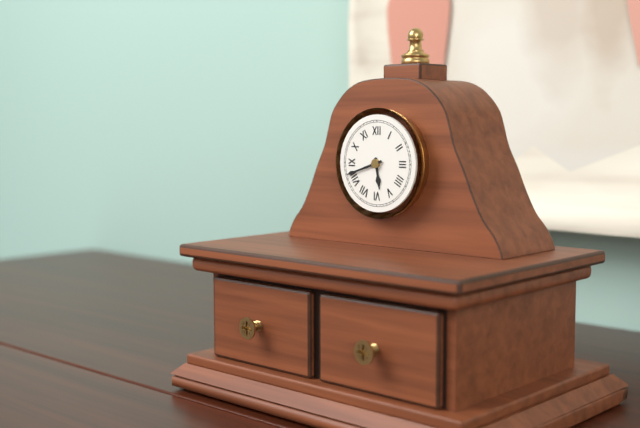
5:42
